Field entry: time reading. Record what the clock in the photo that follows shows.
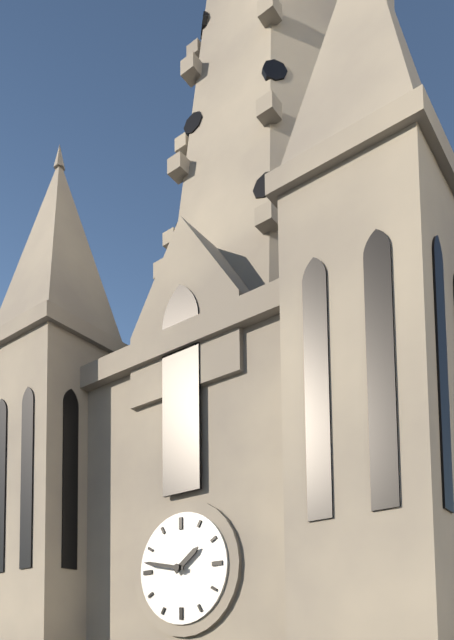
1:47
